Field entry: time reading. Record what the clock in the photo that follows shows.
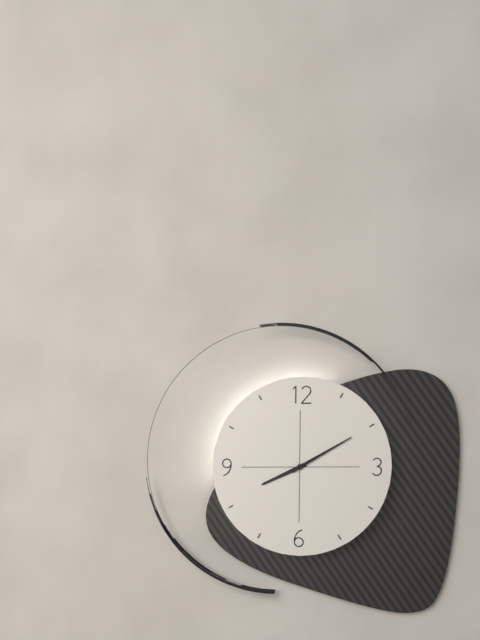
8:10
